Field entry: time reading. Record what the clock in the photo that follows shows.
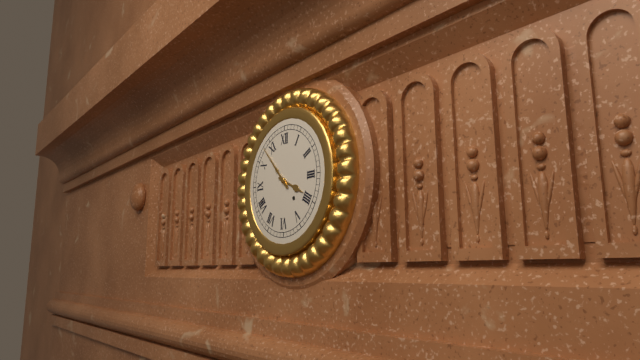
3:53
